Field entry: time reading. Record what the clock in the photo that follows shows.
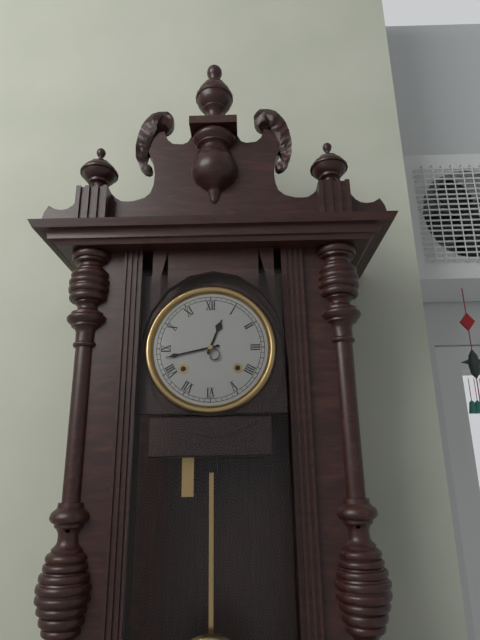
12:43
